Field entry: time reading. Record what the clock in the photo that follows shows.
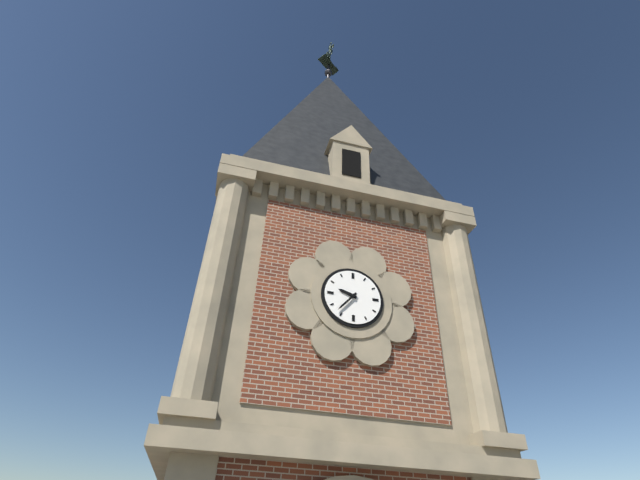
9:37
